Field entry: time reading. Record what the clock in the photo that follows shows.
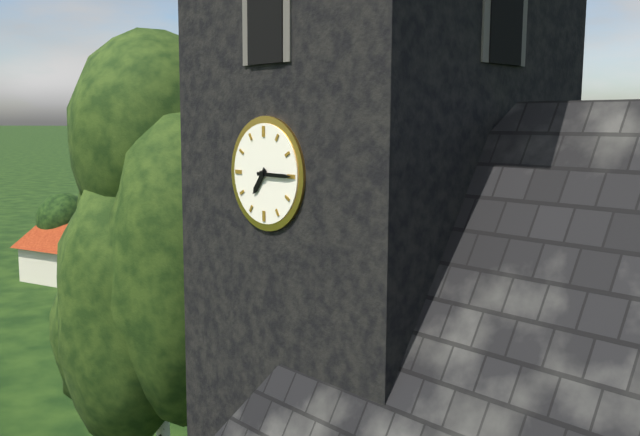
7:15
